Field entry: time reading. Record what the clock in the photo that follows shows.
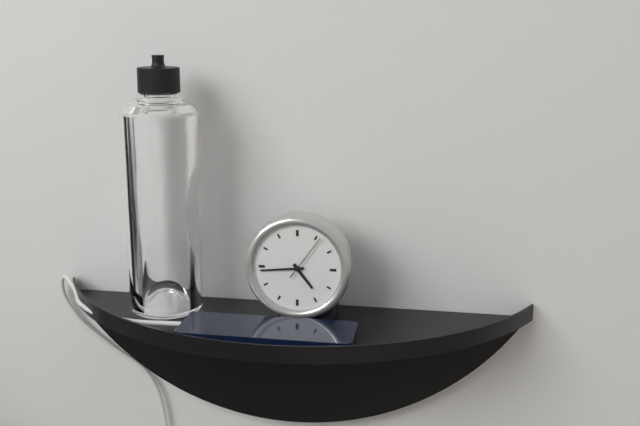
4:44
